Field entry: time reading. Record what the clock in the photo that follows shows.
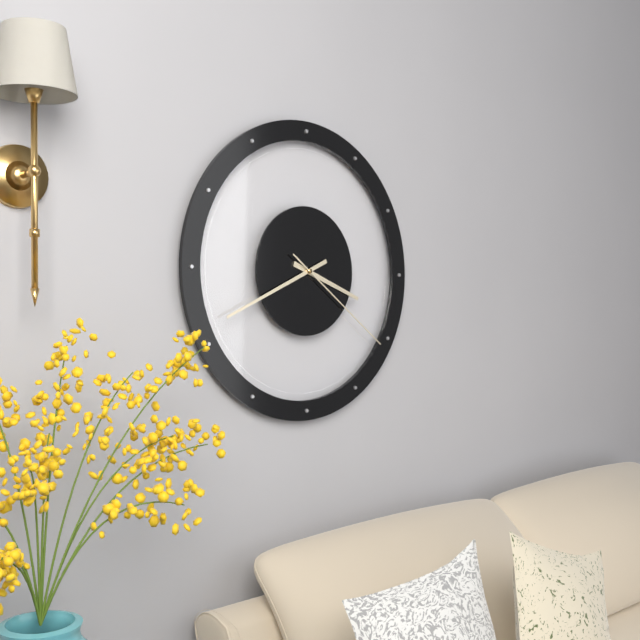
3:41:21
